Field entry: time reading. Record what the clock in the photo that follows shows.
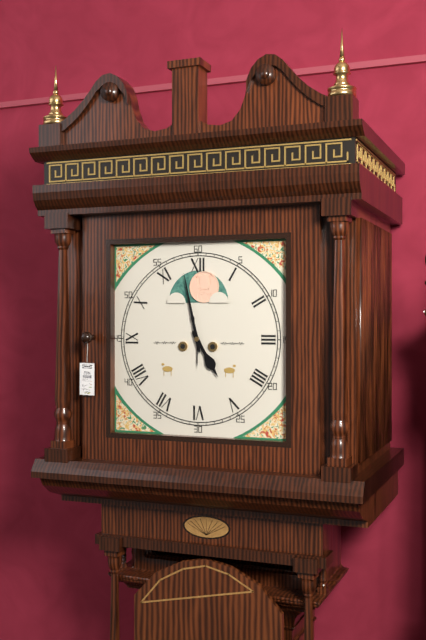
4:58
